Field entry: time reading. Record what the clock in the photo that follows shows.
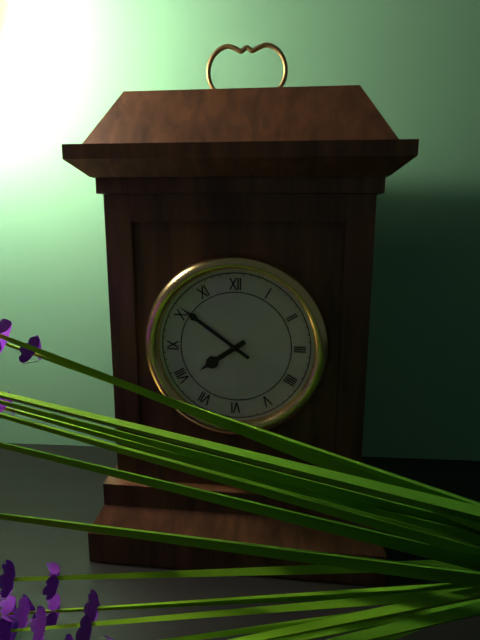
7:51
